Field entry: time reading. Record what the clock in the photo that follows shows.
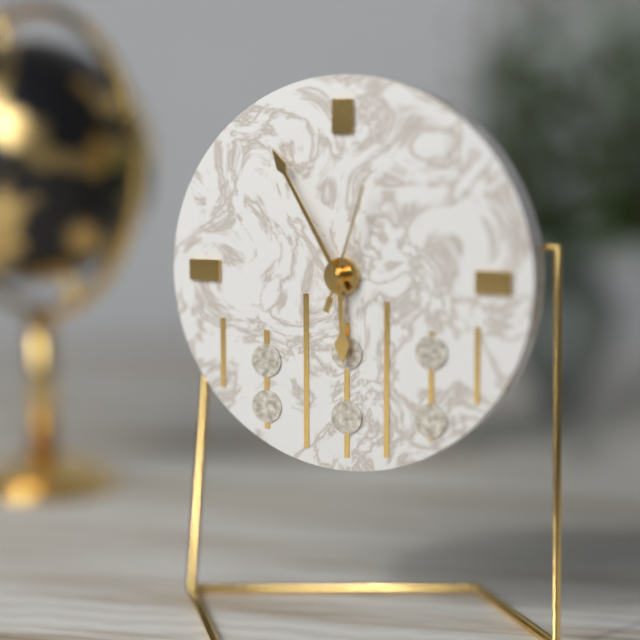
5:55:03
